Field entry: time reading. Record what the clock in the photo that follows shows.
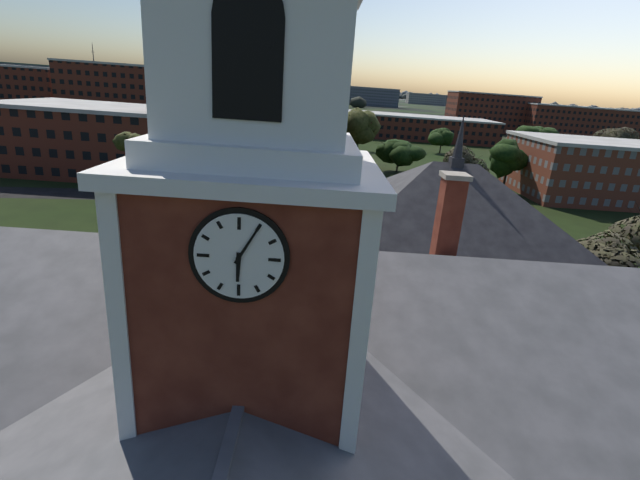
6:05
